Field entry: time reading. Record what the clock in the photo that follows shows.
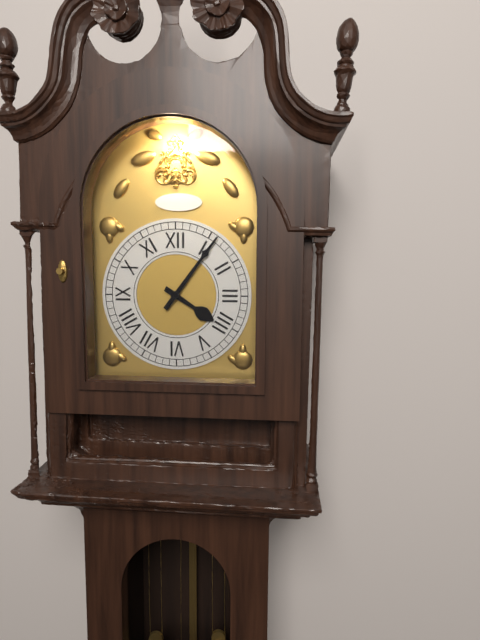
4:06
